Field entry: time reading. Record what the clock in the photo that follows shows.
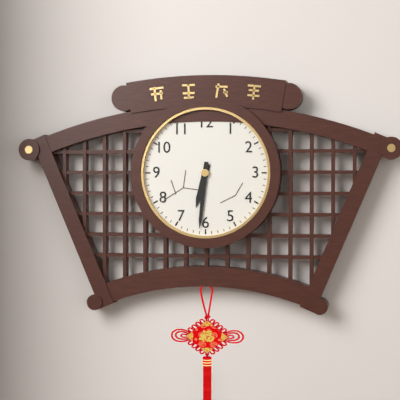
6:31
